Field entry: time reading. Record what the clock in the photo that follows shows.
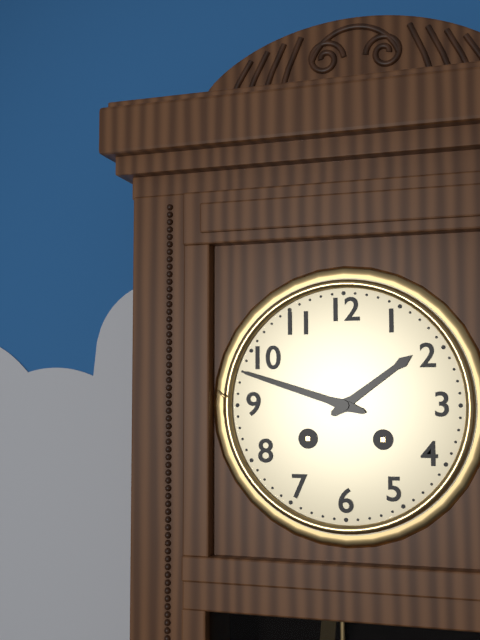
1:48
